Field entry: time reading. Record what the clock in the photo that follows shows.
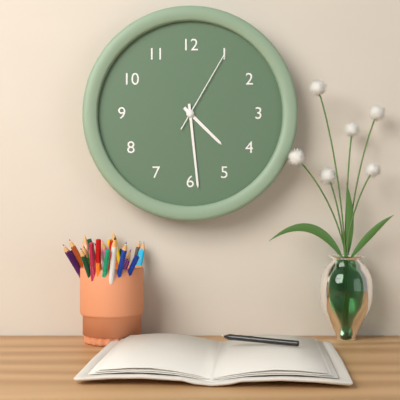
4:29:05
